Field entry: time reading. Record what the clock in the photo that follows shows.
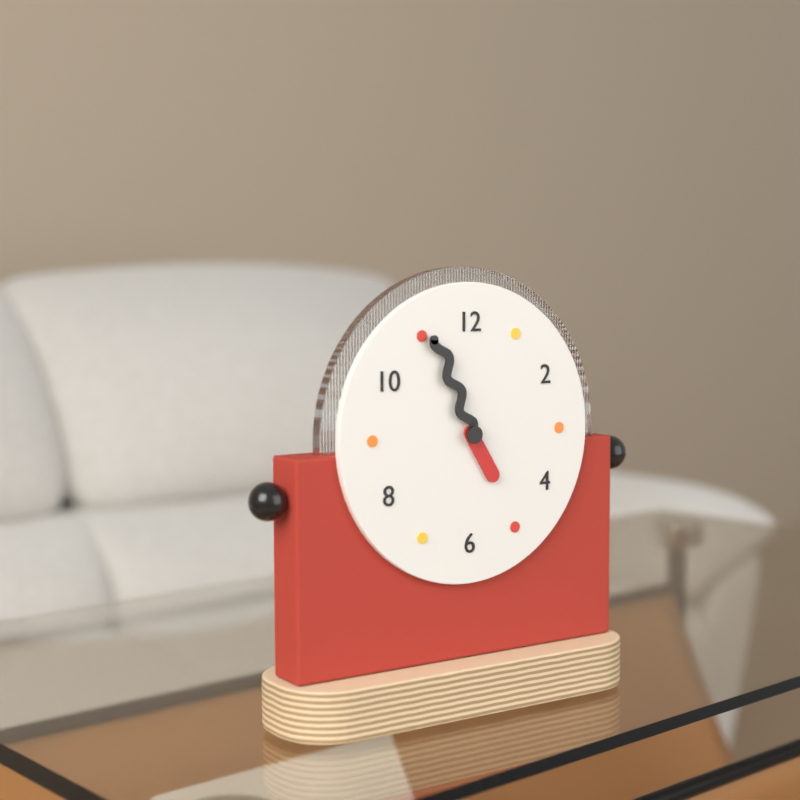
4:56
